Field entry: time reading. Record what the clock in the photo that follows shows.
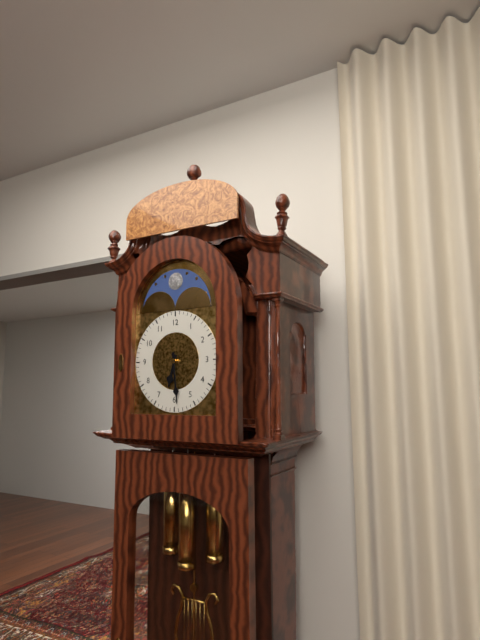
6:29
